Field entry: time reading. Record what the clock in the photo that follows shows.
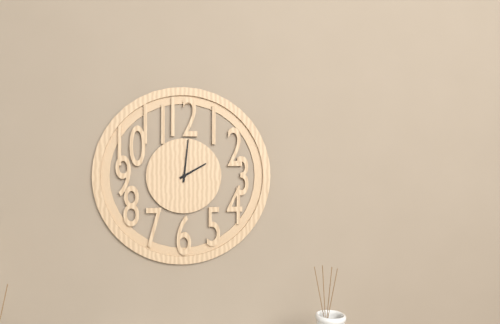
2:01
